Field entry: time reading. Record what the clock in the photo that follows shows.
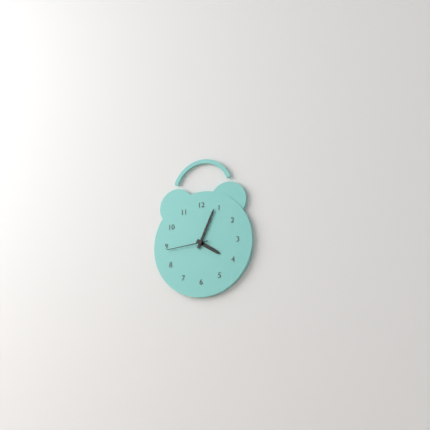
4:04
